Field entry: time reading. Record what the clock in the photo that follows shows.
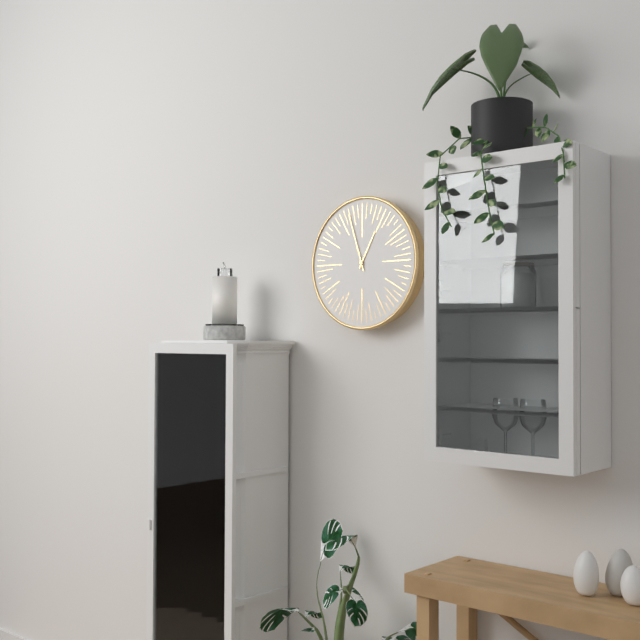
12:57
